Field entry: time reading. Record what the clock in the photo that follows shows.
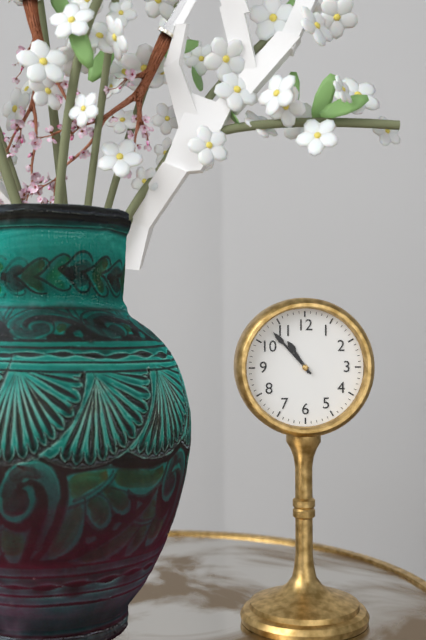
10:53
